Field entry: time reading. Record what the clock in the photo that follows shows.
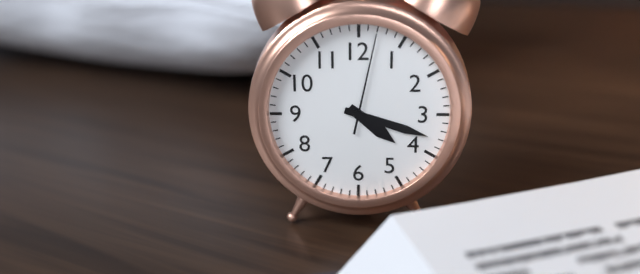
4:18:02
